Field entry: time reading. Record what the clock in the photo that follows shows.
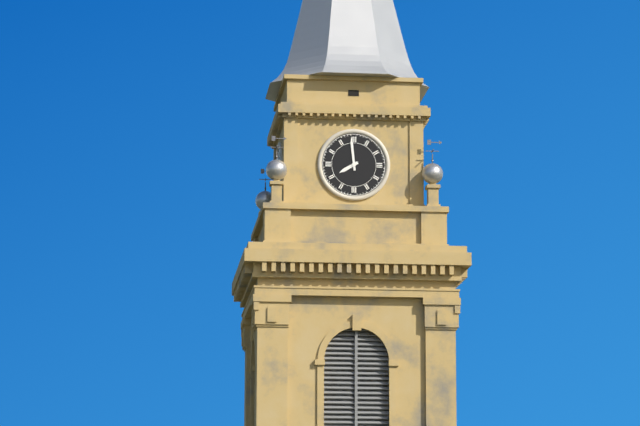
7:59
